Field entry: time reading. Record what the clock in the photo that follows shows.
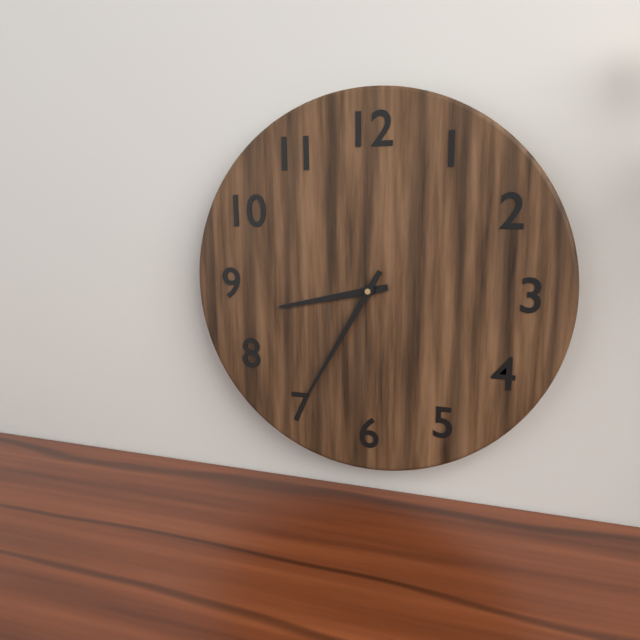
8:35
